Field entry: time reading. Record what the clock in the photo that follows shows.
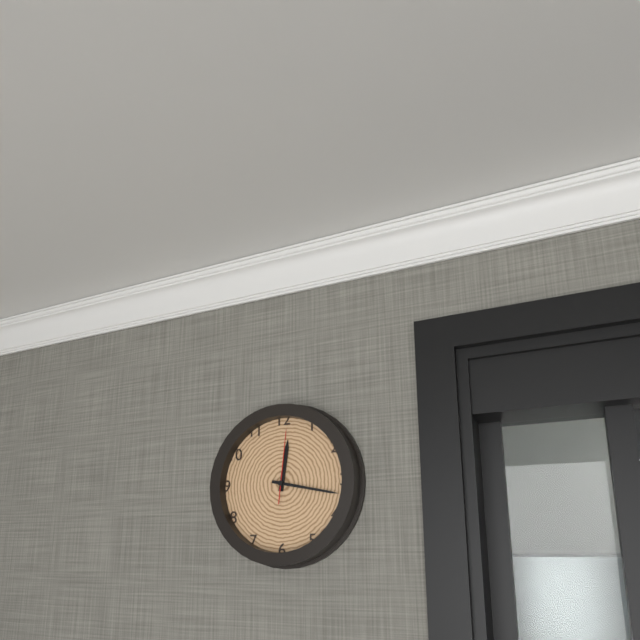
12:17:01
